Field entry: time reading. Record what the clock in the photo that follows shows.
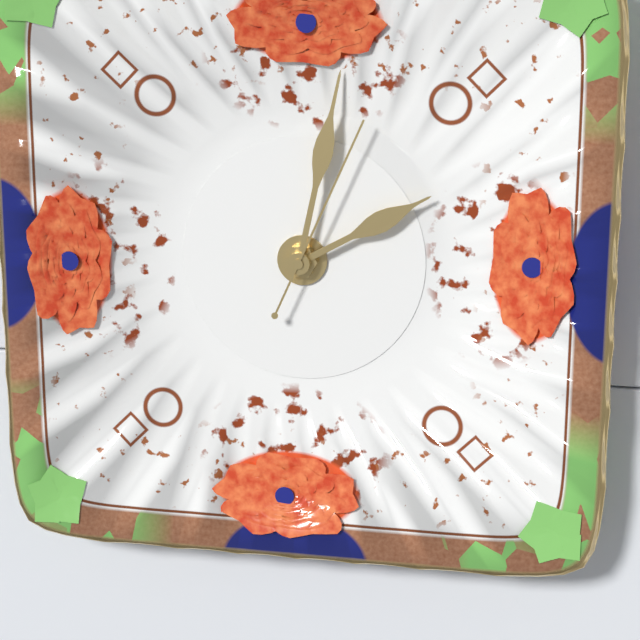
2:02:04
